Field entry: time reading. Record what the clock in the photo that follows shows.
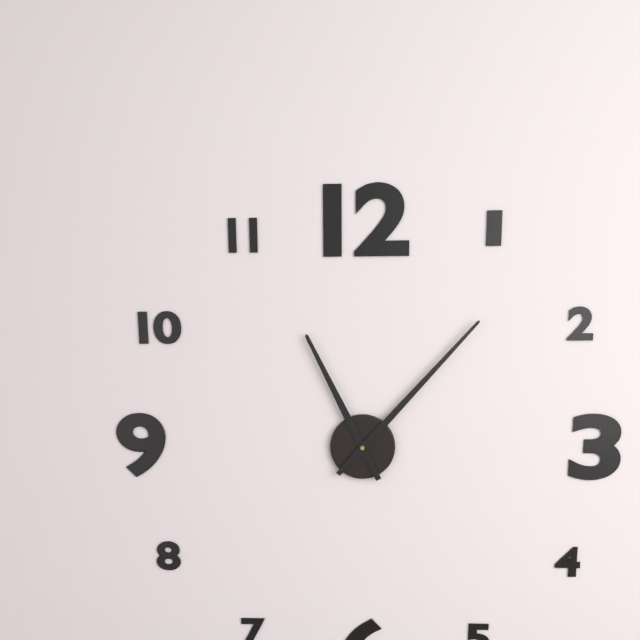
11:07
